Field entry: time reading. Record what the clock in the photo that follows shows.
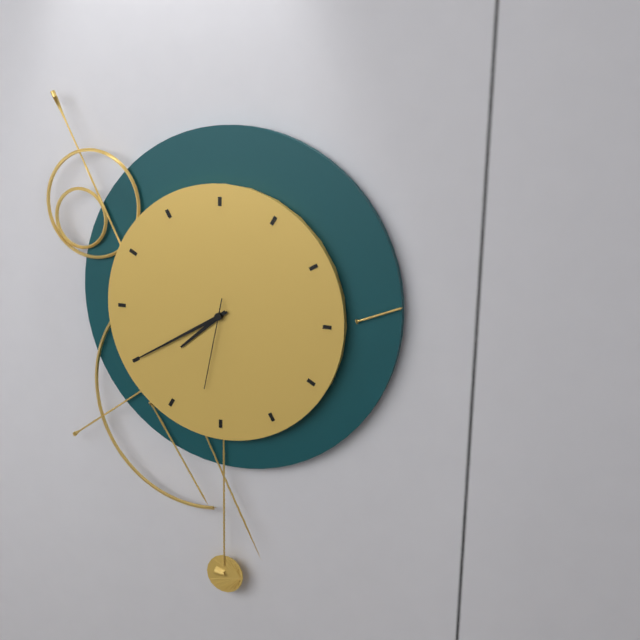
7:40:32
